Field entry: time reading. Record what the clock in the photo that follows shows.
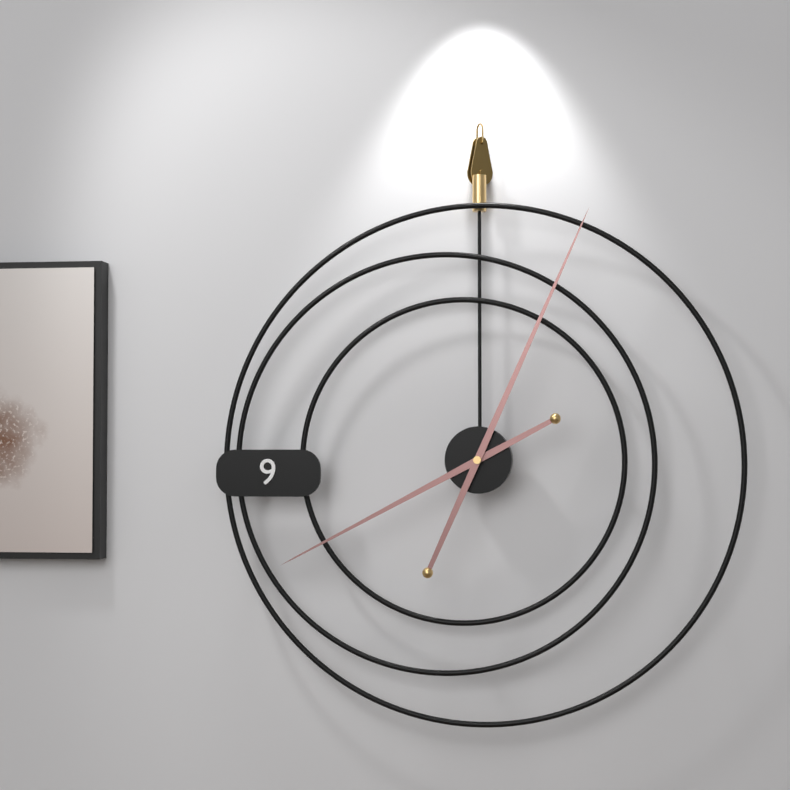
8:04
